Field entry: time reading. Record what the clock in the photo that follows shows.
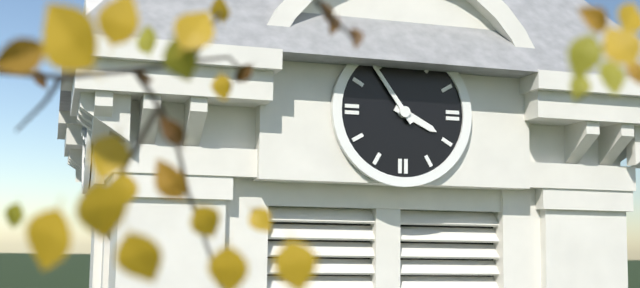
3:54
